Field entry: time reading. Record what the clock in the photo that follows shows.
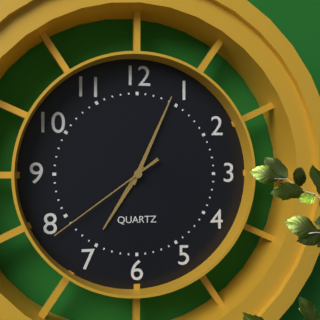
7:04:39
